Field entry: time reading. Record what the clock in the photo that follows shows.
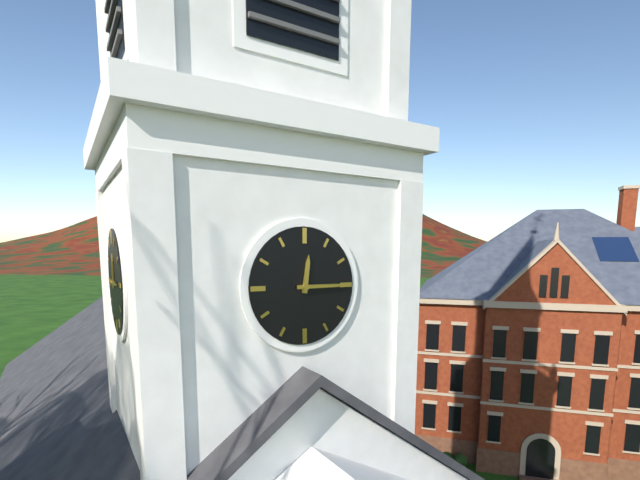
12:15
